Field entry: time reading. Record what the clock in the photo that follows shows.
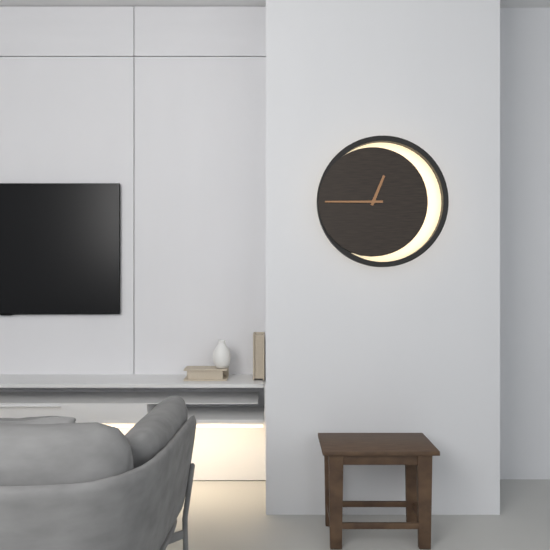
12:45
